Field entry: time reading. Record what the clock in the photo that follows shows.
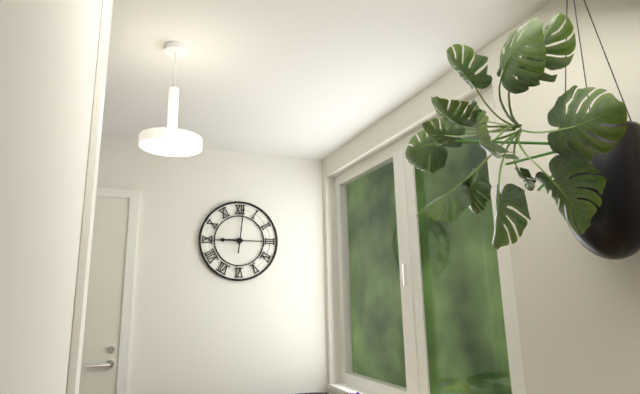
9:01
